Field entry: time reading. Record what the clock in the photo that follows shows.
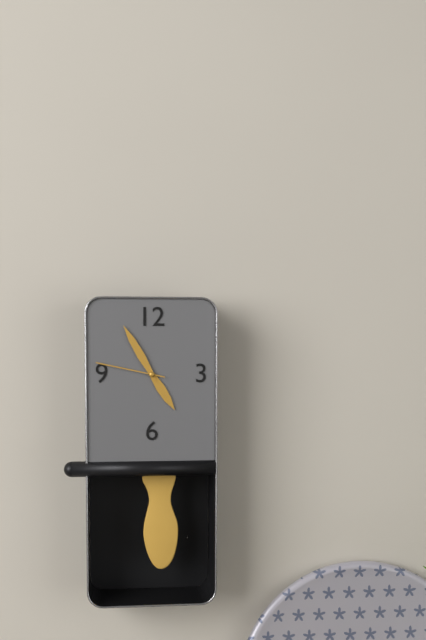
4:55:47
